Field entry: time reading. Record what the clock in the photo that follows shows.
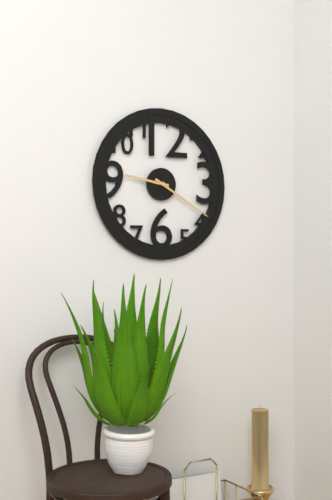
9:20
